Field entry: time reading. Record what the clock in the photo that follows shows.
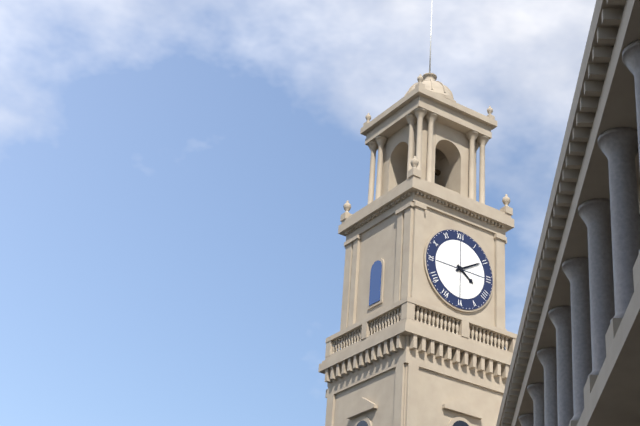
4:10
